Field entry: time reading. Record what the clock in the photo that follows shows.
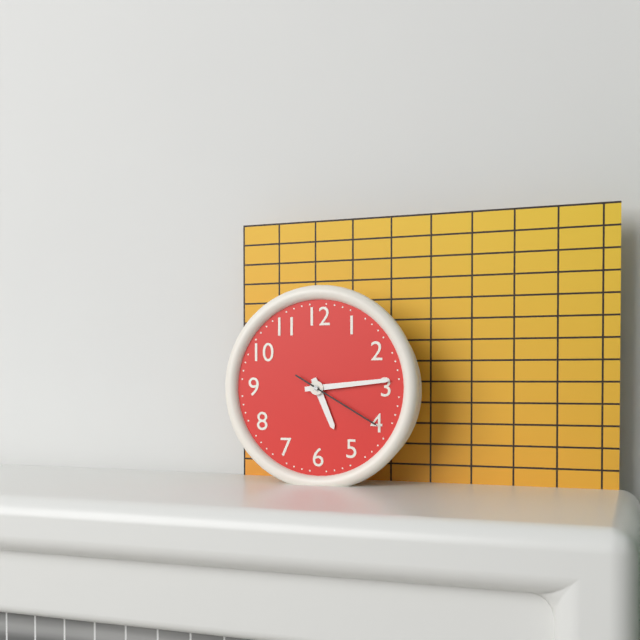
5:14:20
